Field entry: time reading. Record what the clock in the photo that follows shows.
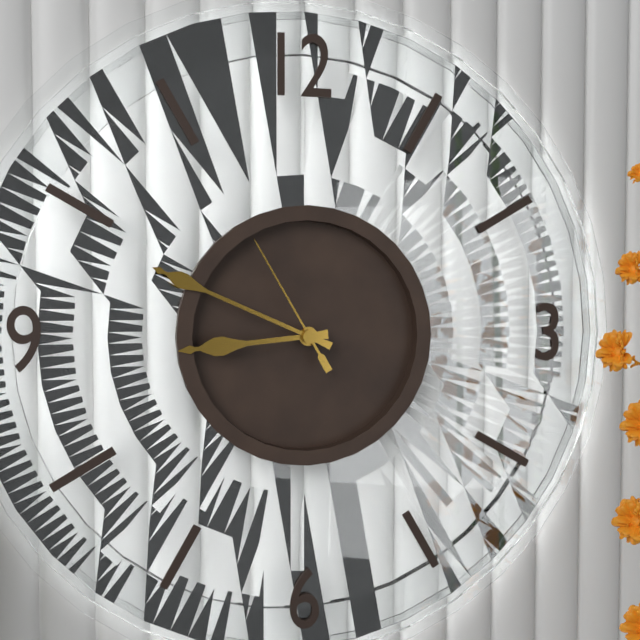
8:49:55
